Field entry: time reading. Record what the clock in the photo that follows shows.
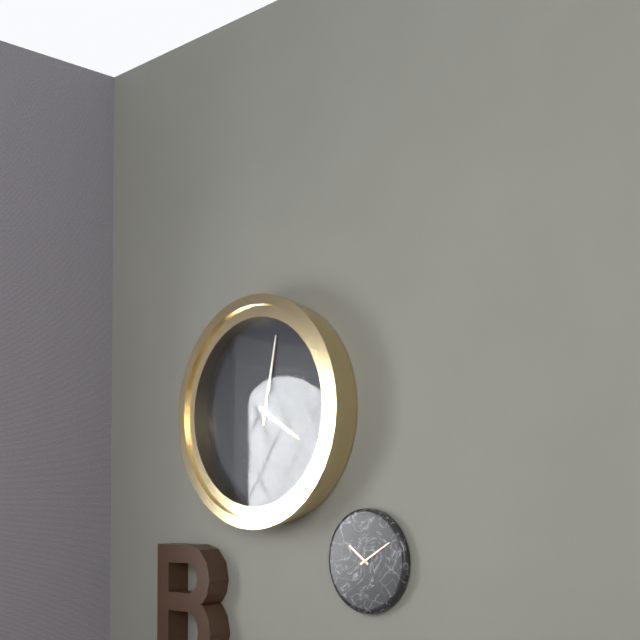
4:02
